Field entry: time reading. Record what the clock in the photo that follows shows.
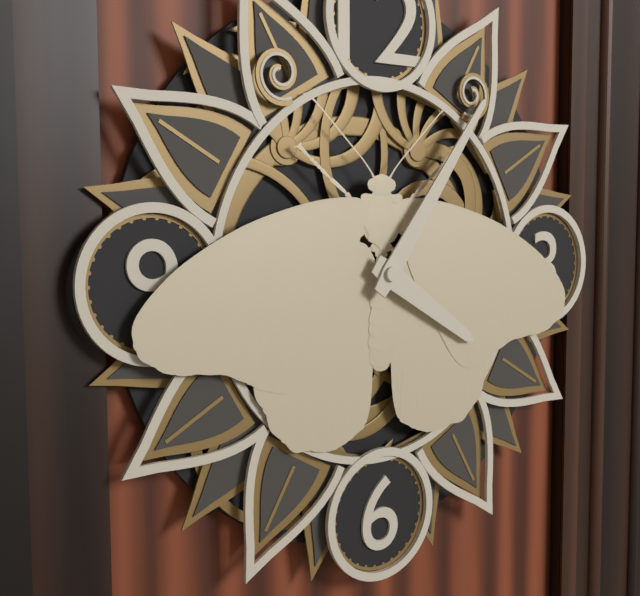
4:06
